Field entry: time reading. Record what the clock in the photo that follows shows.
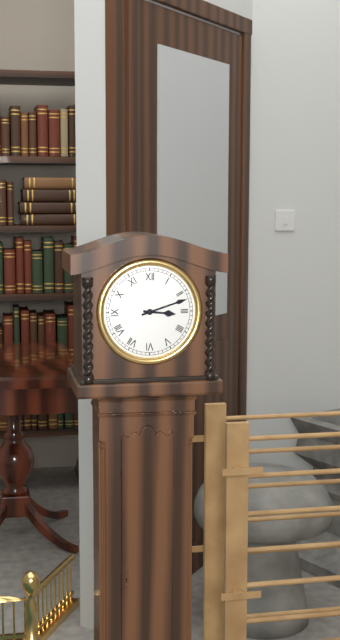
3:12
